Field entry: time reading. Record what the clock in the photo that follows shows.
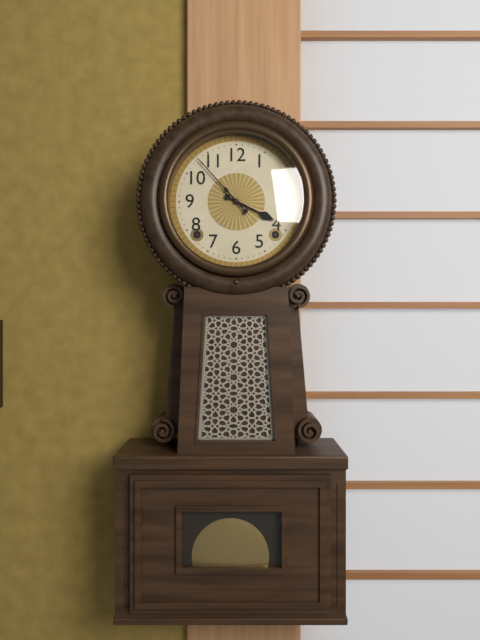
3:53
